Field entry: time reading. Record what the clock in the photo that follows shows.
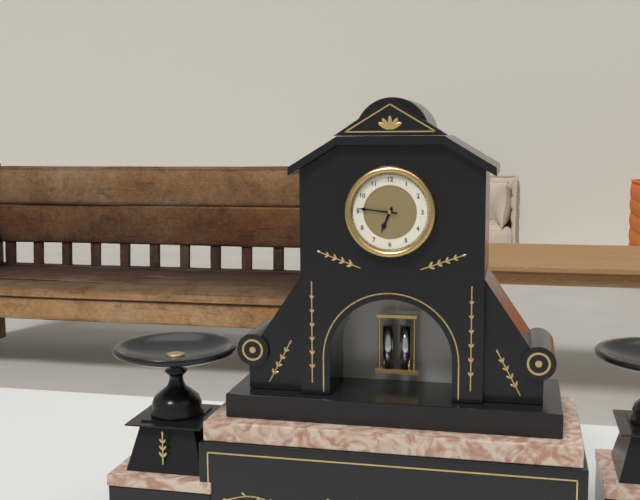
6:46
